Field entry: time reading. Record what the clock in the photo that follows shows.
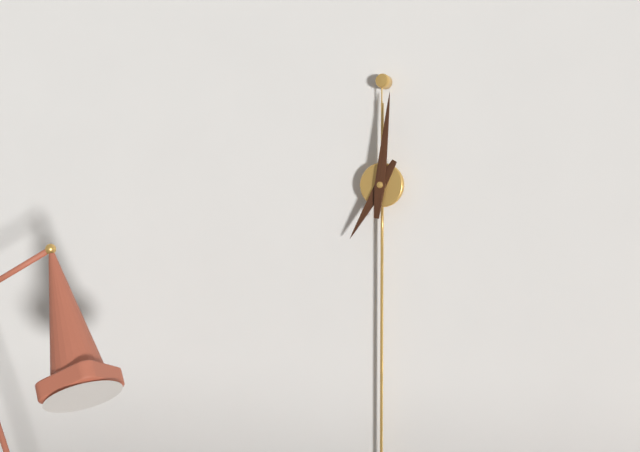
7:01
